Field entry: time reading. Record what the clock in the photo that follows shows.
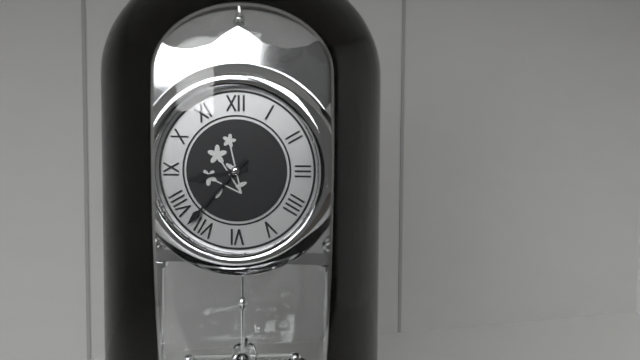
8:37
